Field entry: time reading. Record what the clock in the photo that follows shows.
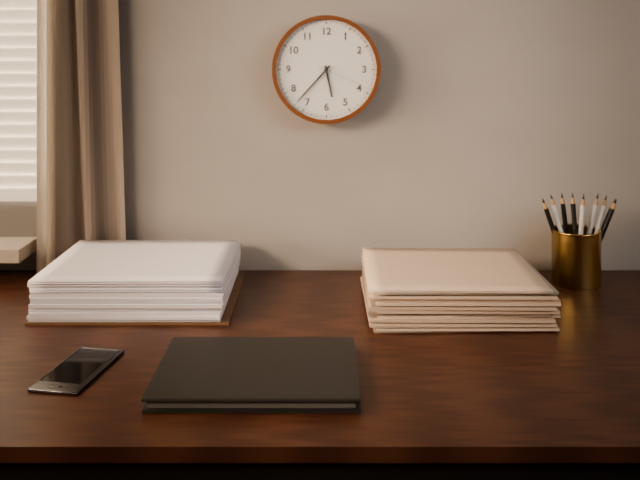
5:37:19
